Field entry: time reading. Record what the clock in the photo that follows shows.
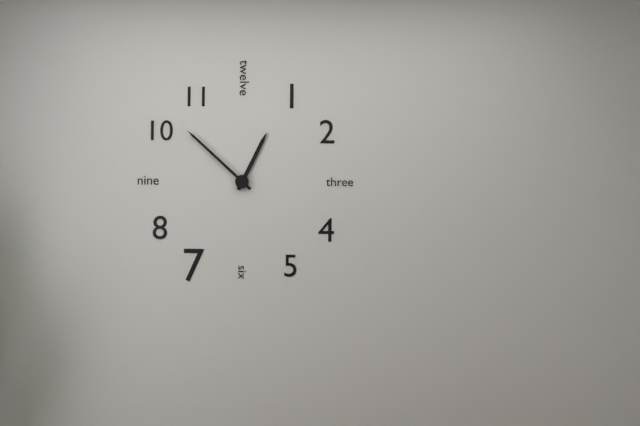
12:52
